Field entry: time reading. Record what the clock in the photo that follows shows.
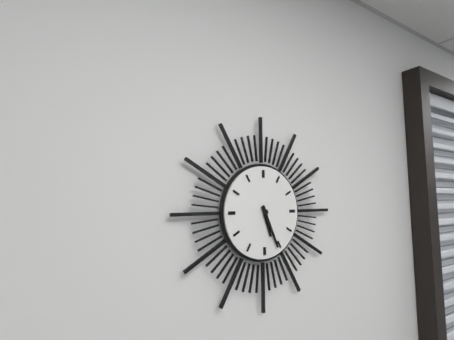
5:26
